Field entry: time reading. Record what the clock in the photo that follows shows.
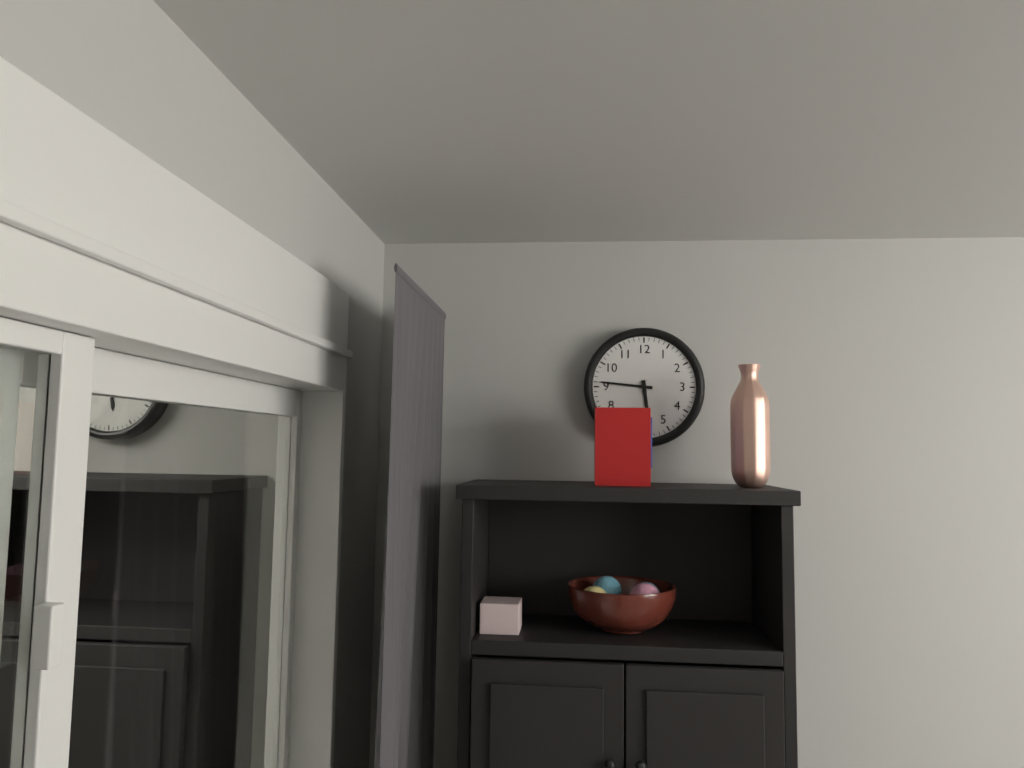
5:46
